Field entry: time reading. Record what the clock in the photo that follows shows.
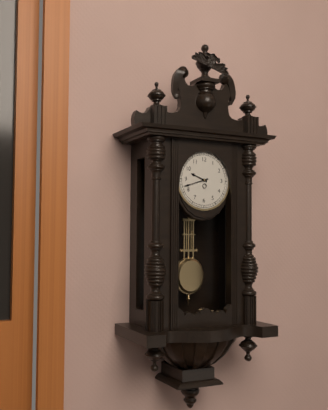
9:42
